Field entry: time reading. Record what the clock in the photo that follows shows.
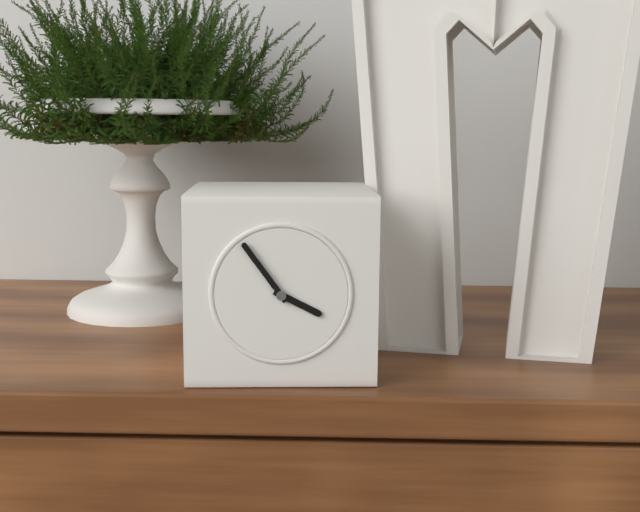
3:54
